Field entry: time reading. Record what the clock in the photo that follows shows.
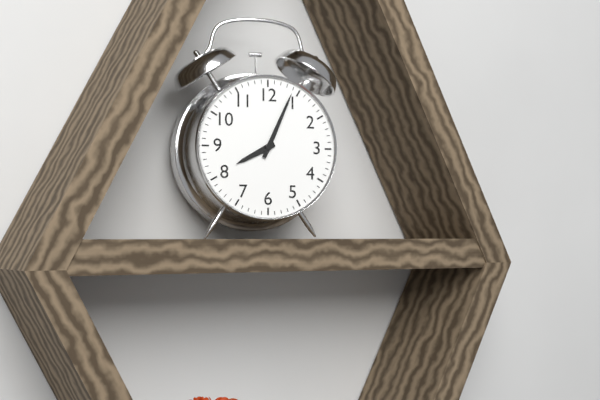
8:04
